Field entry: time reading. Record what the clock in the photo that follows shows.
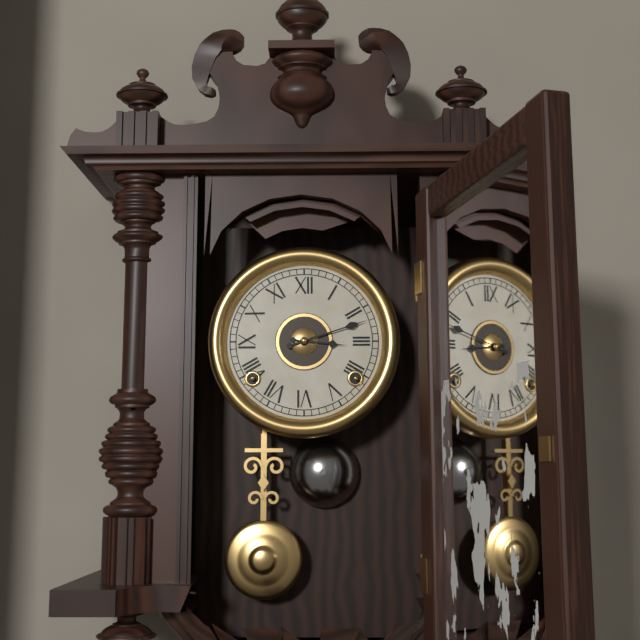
3:12
